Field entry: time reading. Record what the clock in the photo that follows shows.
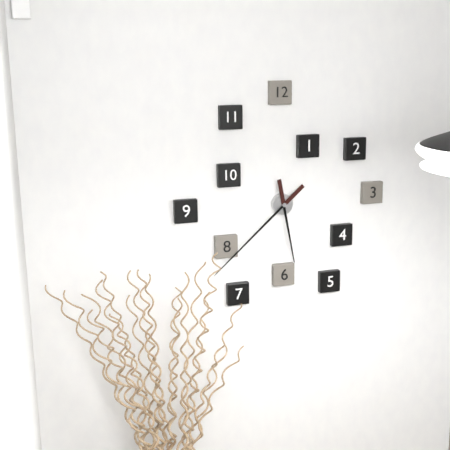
5:38
